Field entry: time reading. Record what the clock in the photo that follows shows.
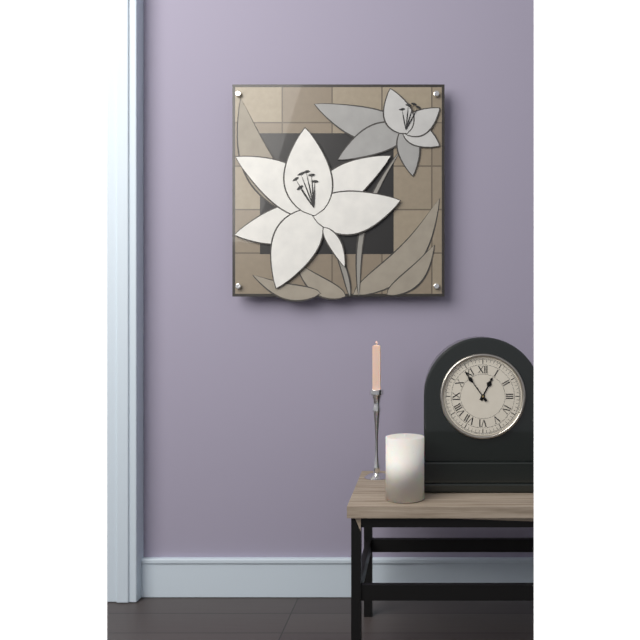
12:54
